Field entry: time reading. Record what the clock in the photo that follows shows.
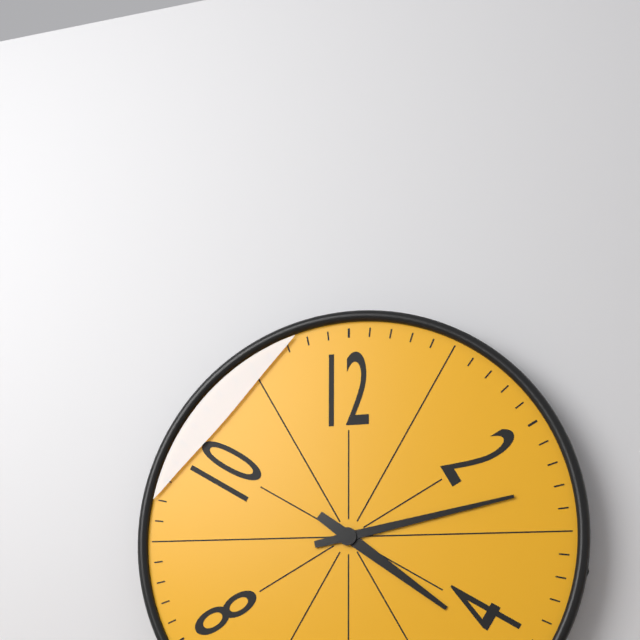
4:13
